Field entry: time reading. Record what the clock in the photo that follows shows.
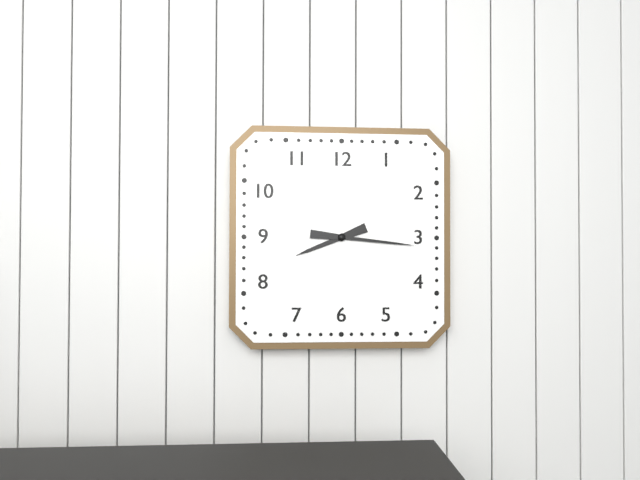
8:16
